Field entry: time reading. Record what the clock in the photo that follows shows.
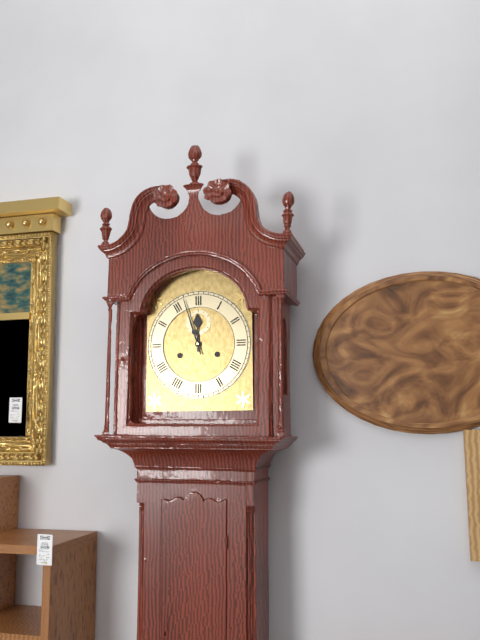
11:57
